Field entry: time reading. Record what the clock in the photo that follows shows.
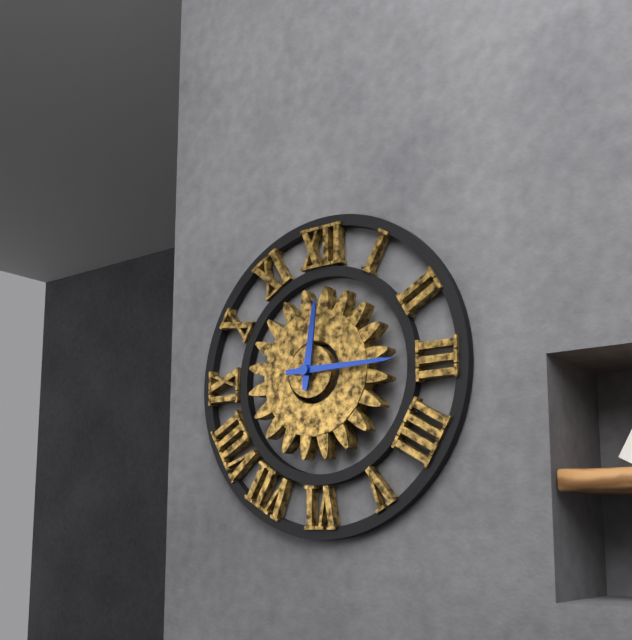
12:15
